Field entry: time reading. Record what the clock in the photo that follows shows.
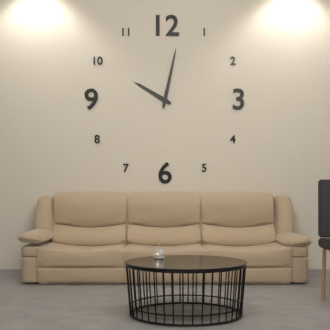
10:02
